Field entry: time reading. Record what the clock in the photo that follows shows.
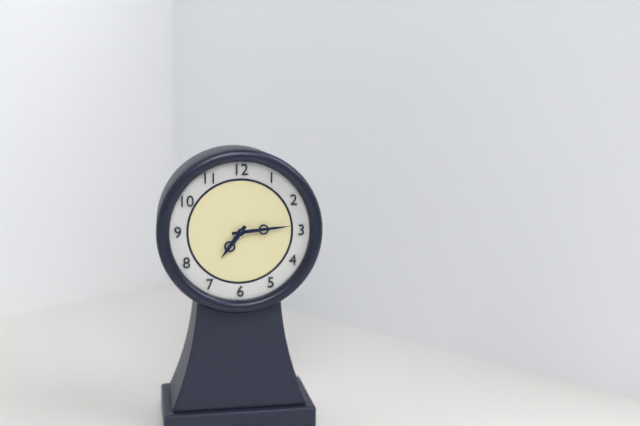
7:14
